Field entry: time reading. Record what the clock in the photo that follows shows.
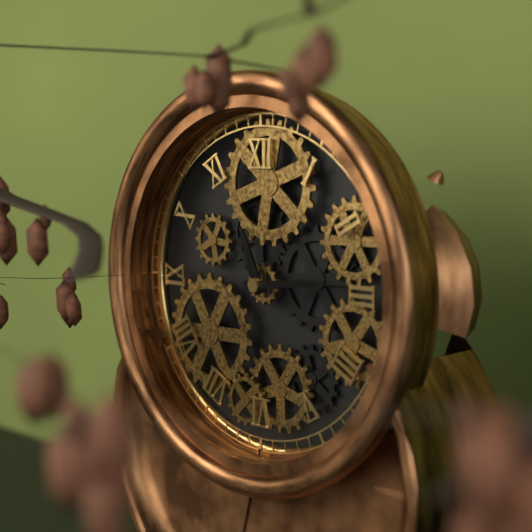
11:14
